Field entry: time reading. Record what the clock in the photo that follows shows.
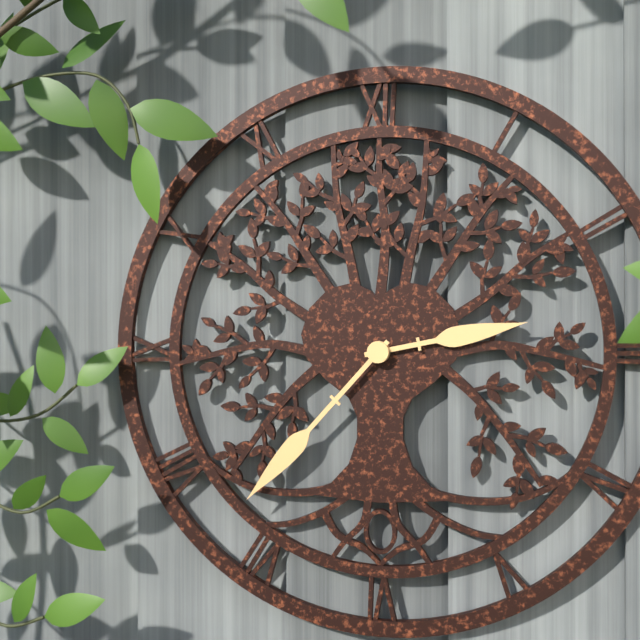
2:37
